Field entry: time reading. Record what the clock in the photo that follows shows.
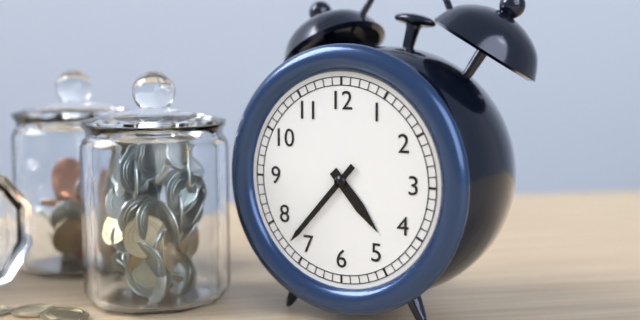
4:37
